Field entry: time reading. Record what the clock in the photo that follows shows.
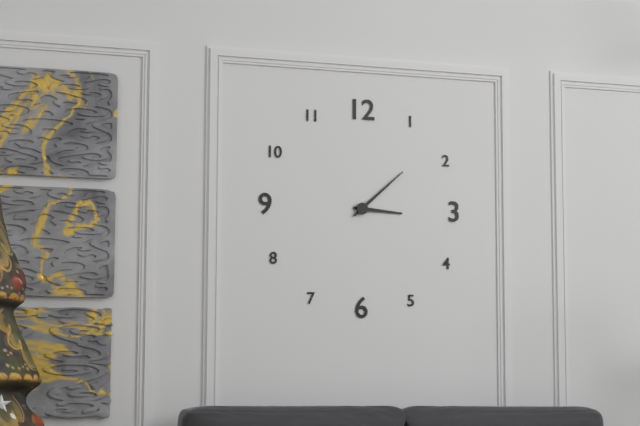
3:08
